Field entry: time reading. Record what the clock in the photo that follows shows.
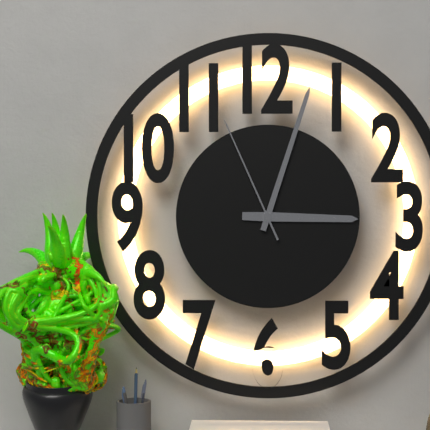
3:03:56
